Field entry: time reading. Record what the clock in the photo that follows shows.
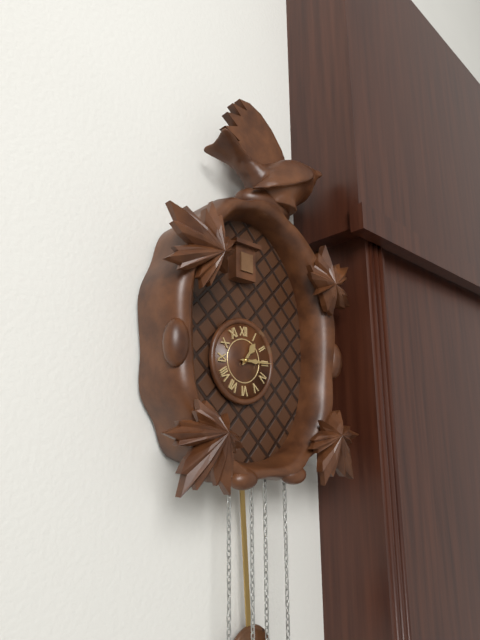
1:15
